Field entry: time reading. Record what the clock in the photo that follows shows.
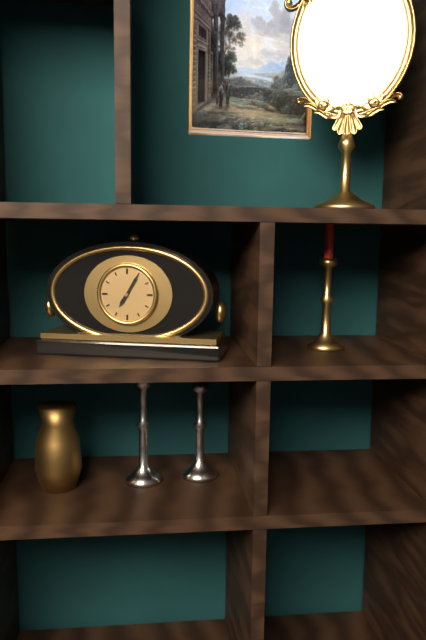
7:05
